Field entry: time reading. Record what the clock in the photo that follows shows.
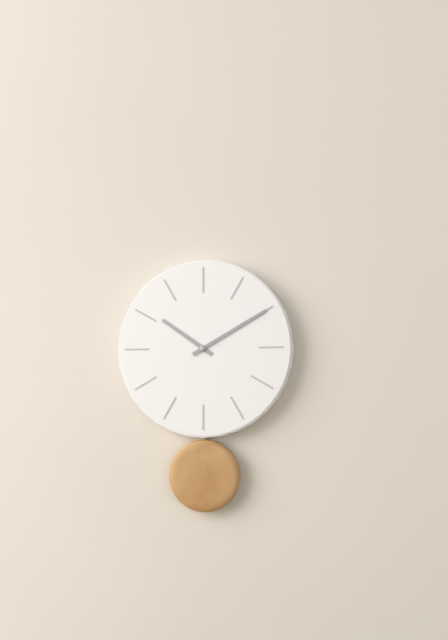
10:10
